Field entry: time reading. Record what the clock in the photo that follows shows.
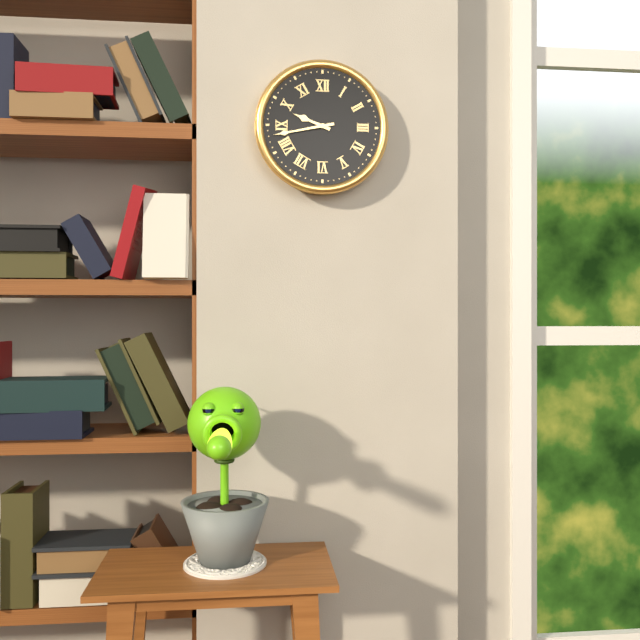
9:43
